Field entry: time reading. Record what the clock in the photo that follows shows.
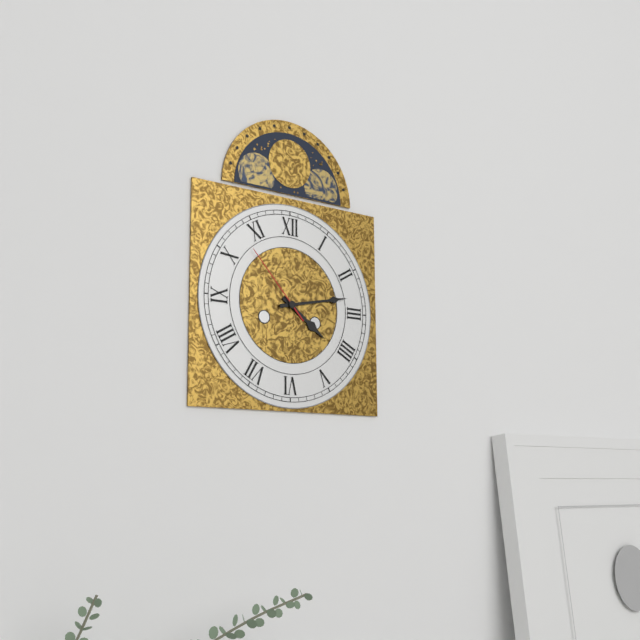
4:13:53
